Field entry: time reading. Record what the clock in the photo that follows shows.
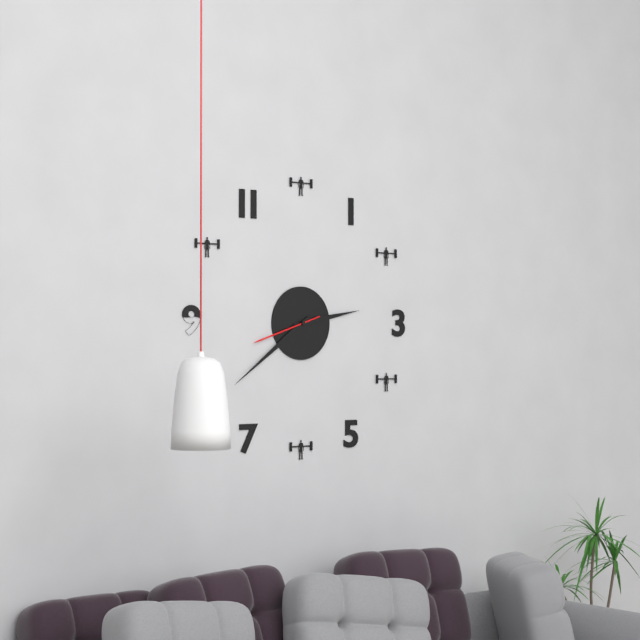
2:39:42
